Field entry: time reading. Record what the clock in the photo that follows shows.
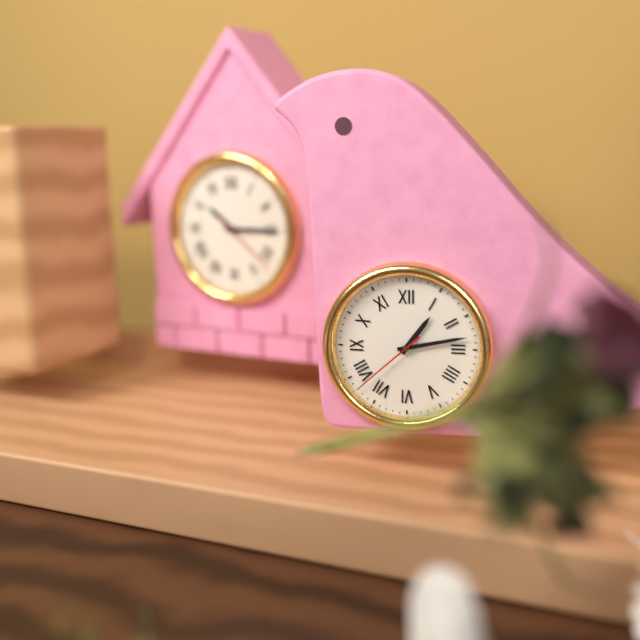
1:13:38
